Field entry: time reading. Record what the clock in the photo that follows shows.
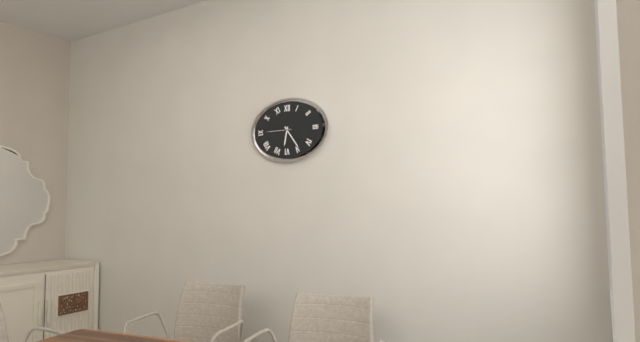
6:24
